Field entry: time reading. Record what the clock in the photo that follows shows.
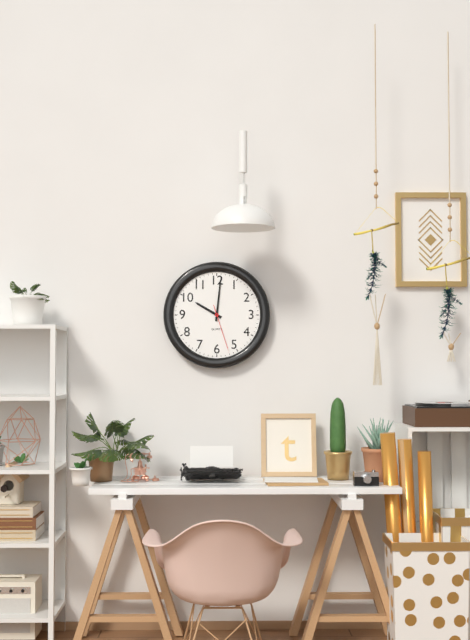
10:01
